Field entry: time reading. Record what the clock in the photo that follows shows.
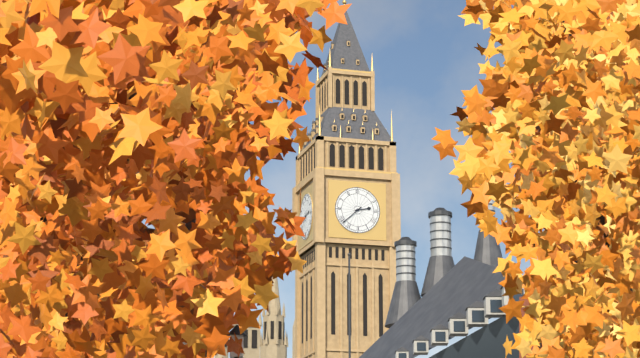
2:38
